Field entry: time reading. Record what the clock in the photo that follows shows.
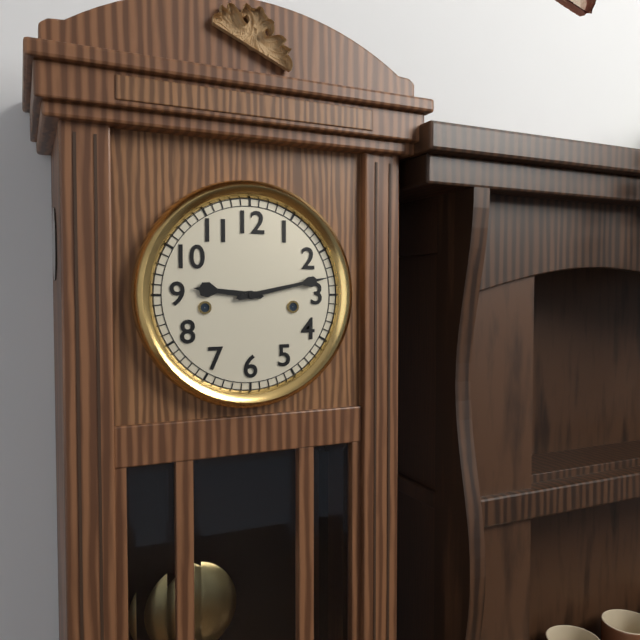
9:13
